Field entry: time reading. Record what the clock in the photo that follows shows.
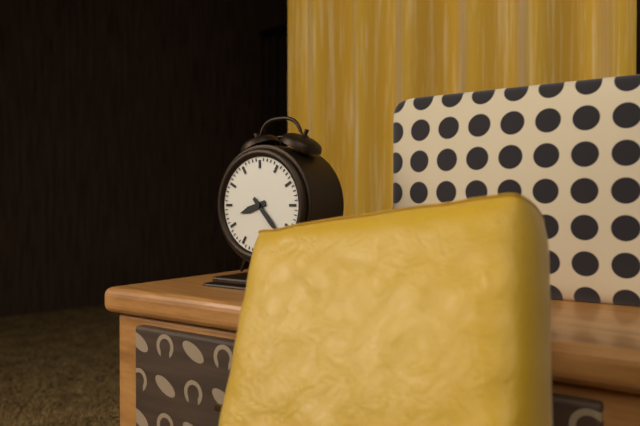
8:23
